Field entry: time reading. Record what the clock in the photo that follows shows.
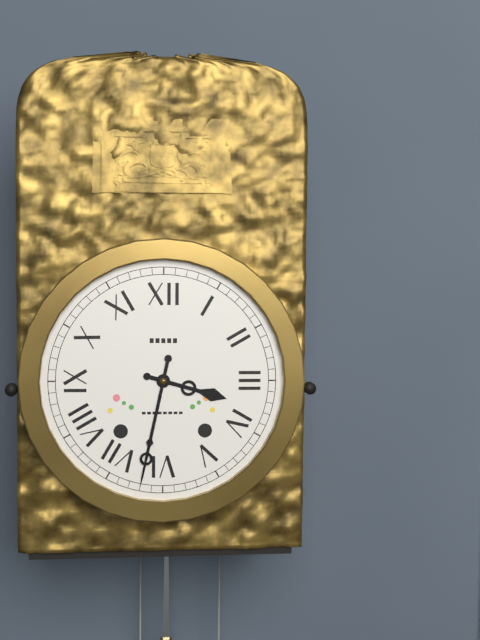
3:32
